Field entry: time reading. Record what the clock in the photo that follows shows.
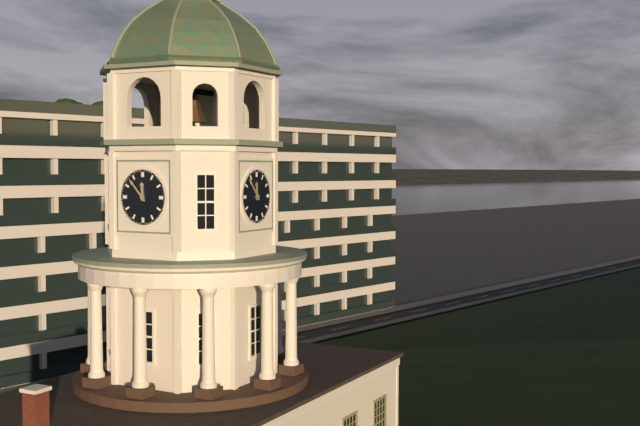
11:53
